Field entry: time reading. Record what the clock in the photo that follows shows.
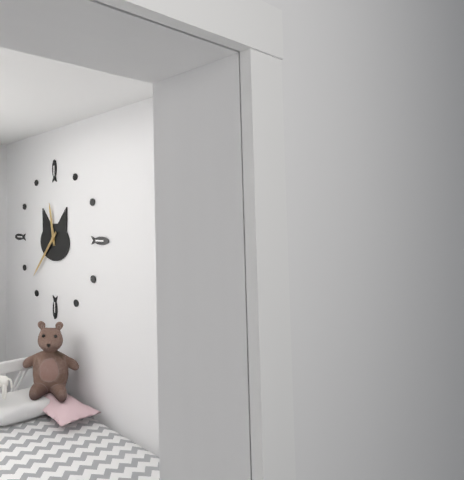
11:37
